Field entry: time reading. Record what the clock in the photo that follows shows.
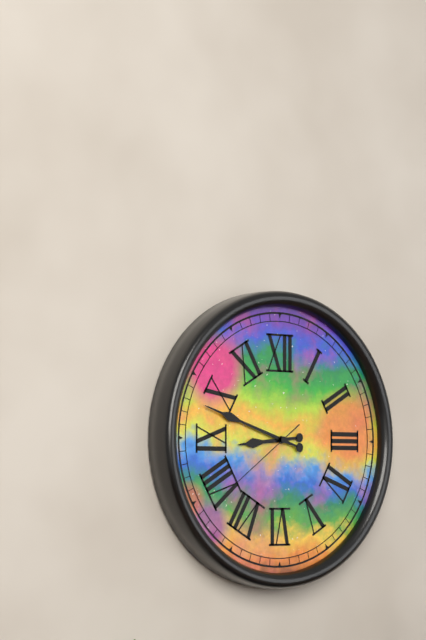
8:48:39
